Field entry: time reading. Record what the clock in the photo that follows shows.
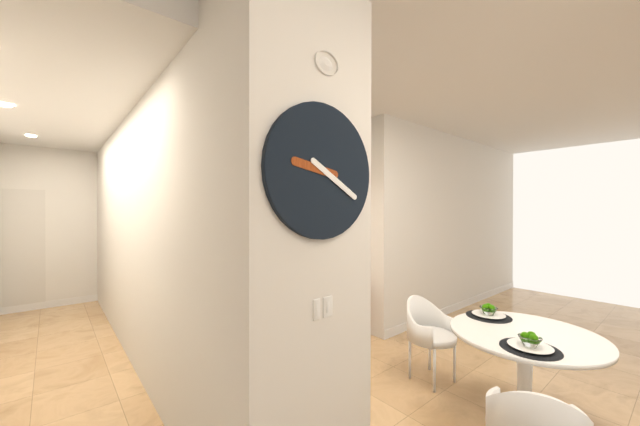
9:20
